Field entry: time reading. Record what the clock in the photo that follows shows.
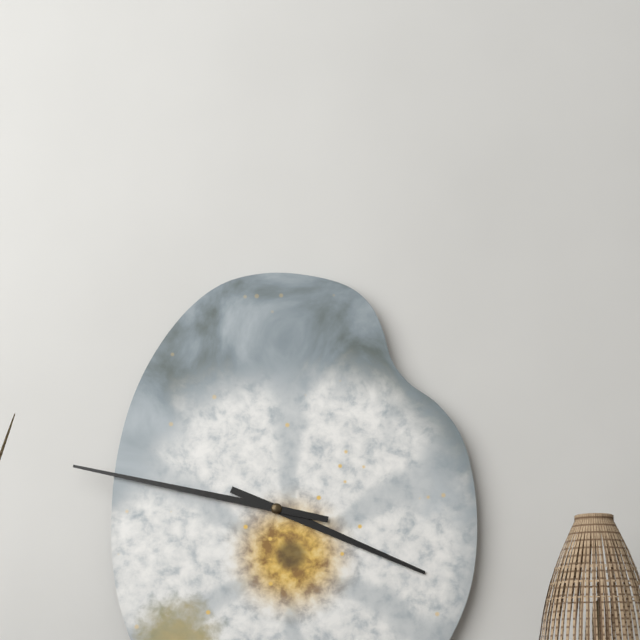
3:47
